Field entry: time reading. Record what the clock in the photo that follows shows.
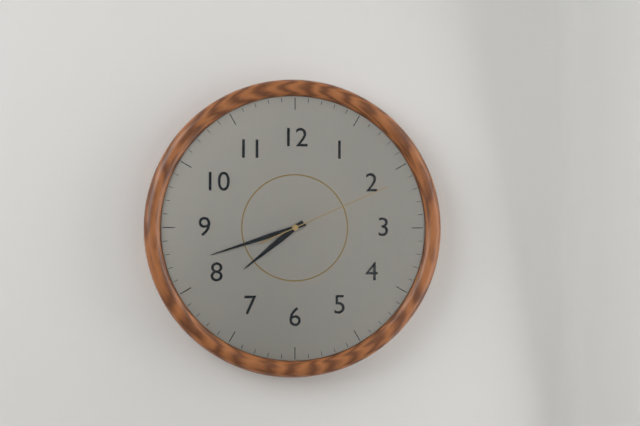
7:42:11
